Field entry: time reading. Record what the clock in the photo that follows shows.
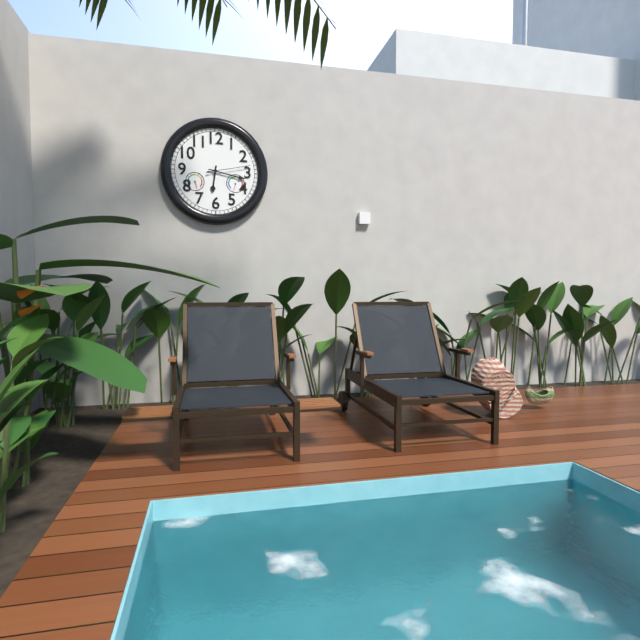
6:17
